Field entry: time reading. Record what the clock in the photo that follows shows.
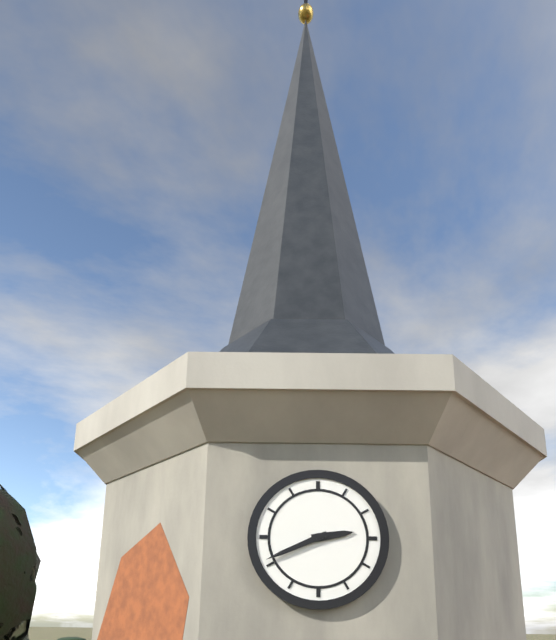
2:41
